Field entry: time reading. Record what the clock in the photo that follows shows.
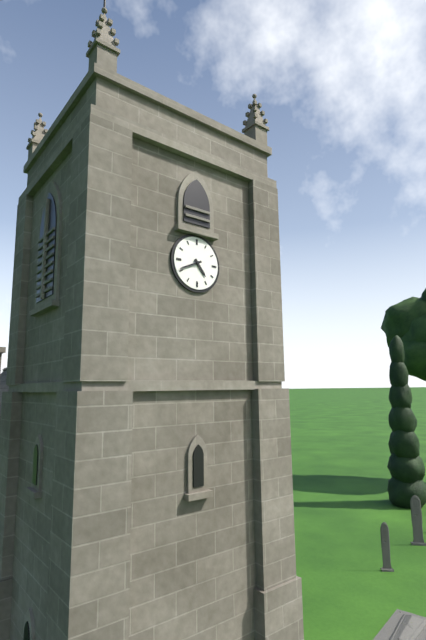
4:41
